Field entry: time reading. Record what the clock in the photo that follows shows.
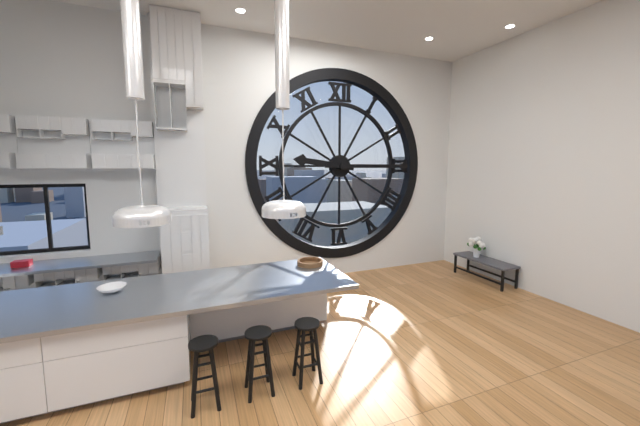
9:15
